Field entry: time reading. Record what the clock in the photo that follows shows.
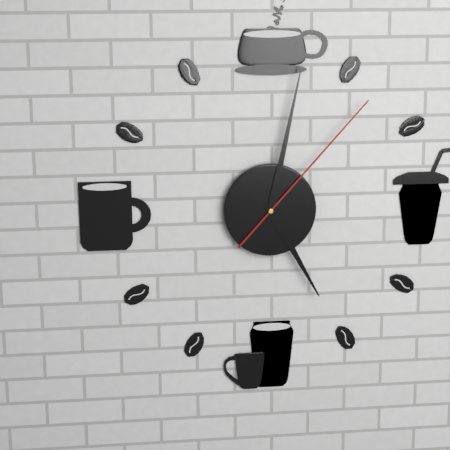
5:02:07
